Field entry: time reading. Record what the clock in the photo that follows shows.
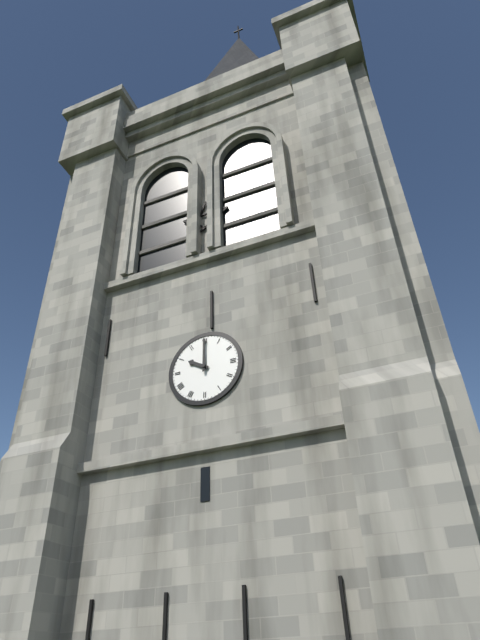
10:00
